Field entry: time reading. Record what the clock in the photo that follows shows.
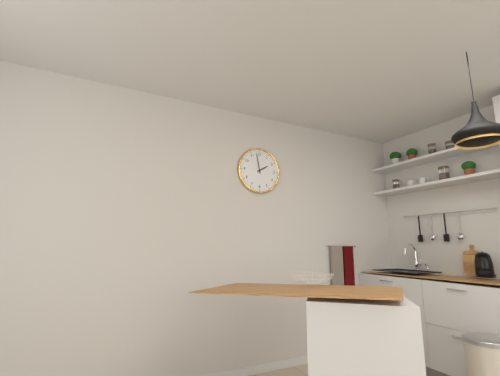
1:58
